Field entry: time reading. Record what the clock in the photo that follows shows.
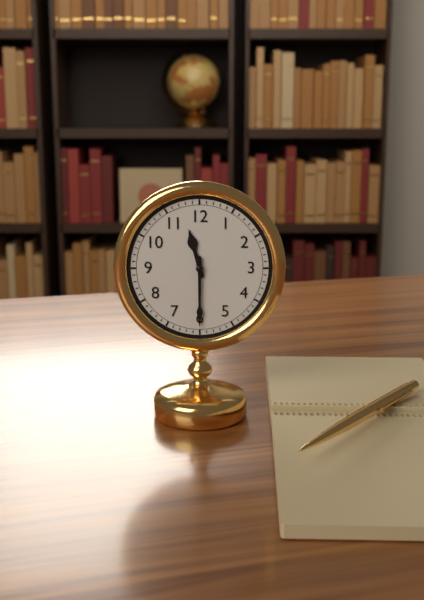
11:30
